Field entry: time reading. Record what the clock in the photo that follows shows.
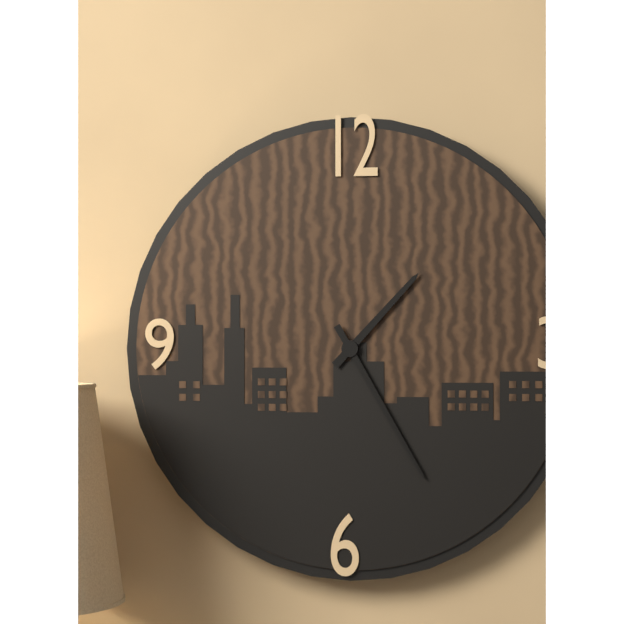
1:25
